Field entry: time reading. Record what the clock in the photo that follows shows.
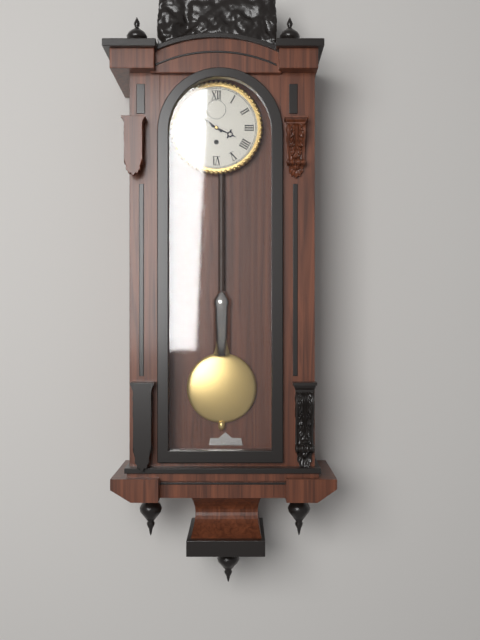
3:51
